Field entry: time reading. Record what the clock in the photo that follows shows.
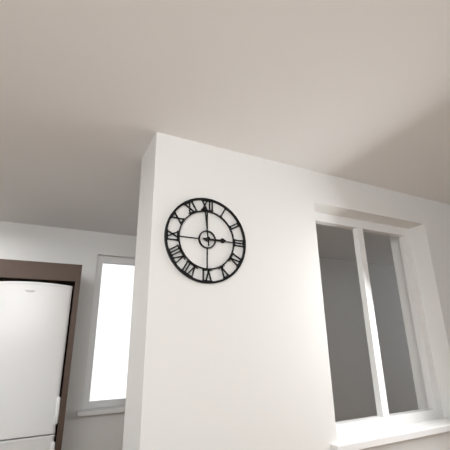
2:59
